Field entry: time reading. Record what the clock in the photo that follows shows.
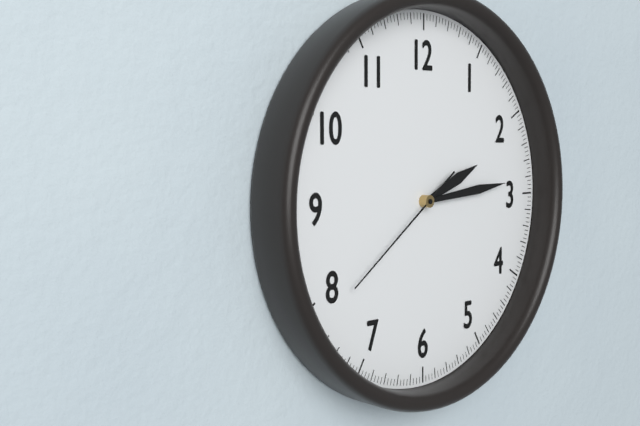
2:14:39
